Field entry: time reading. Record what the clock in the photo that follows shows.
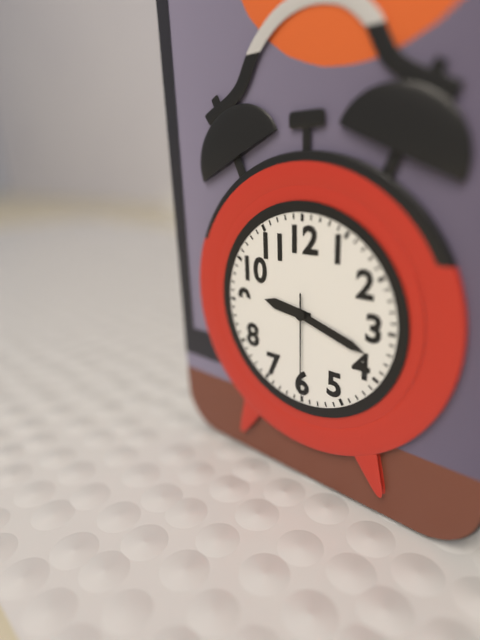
9:18:30
